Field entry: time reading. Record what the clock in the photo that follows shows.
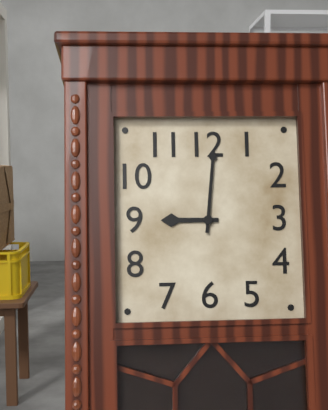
9:01
